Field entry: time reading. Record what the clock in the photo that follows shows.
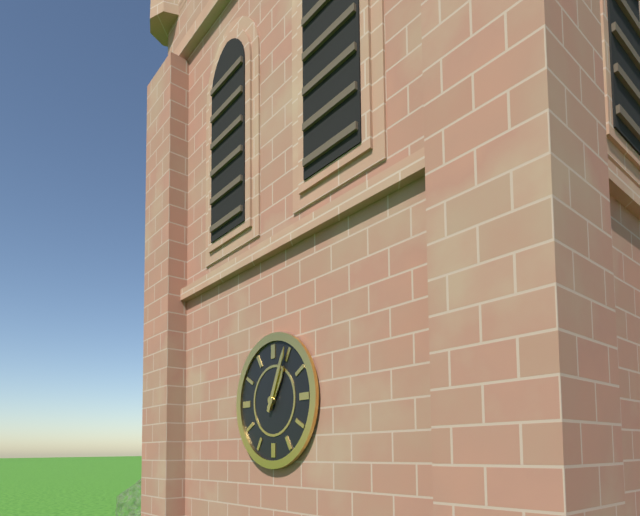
1:04
